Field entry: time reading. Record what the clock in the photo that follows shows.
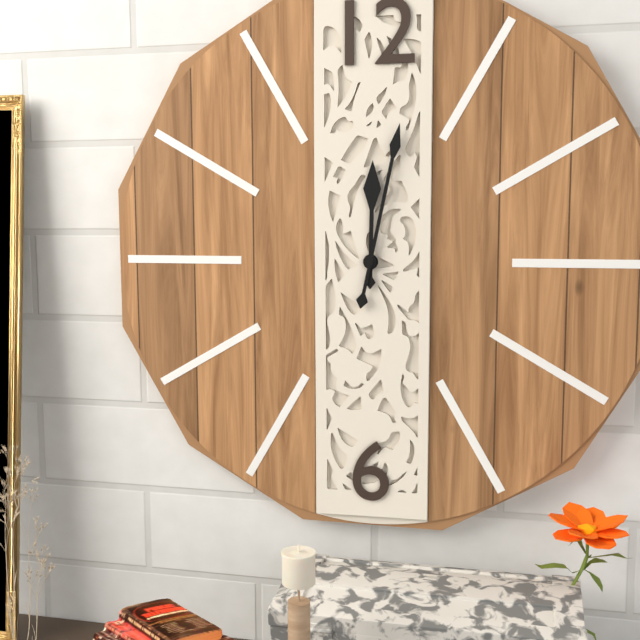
12:02
